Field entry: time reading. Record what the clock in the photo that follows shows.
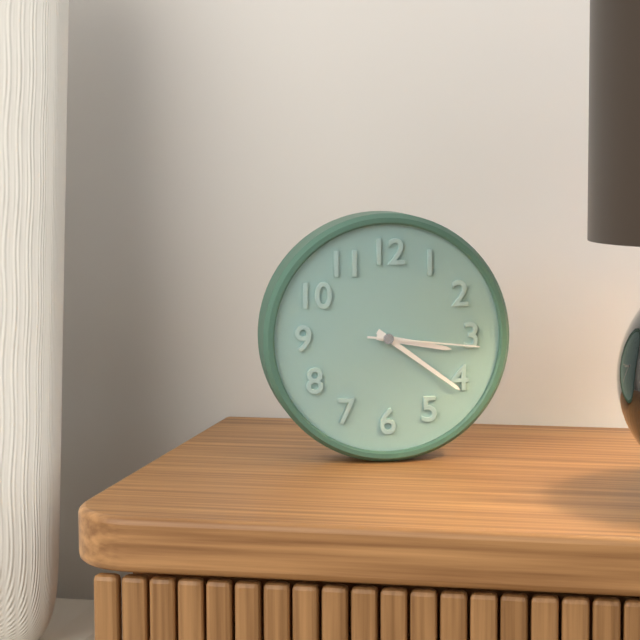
3:21:16
